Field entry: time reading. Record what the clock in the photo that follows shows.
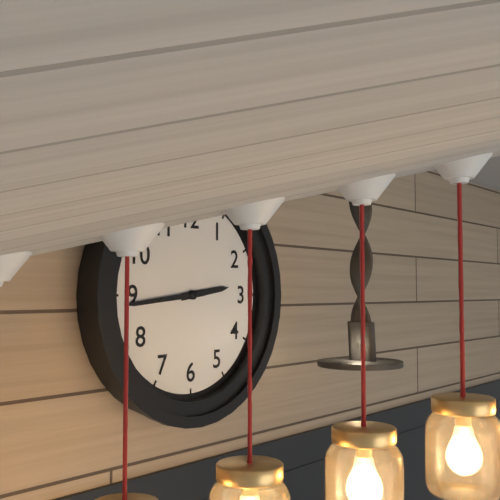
2:44
